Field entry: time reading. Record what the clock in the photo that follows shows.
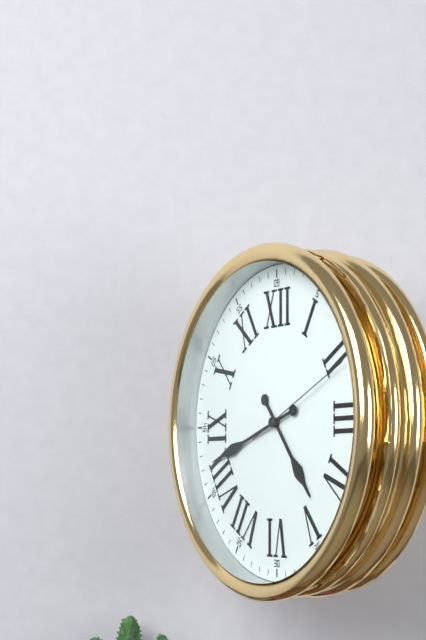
4:42:11
